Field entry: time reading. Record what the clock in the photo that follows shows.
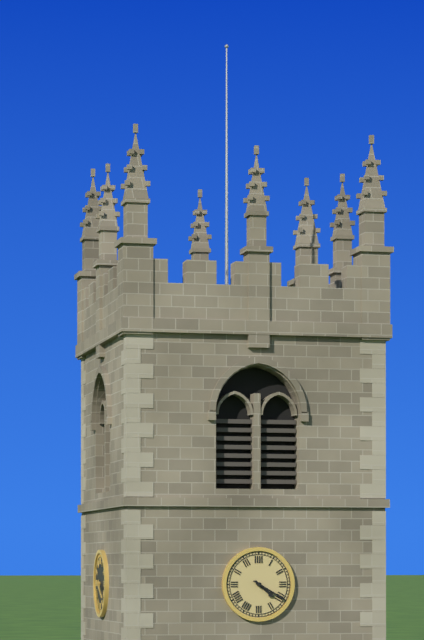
4:20
